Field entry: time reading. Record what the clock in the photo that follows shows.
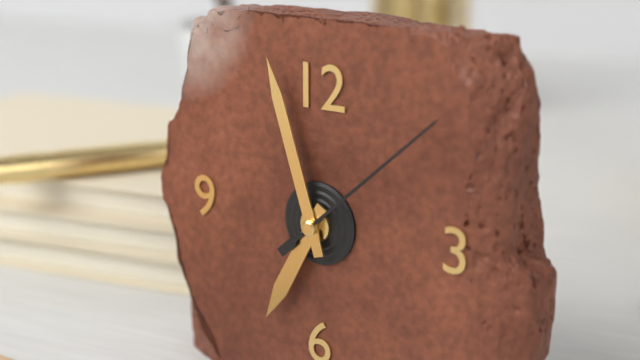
6:57:08
